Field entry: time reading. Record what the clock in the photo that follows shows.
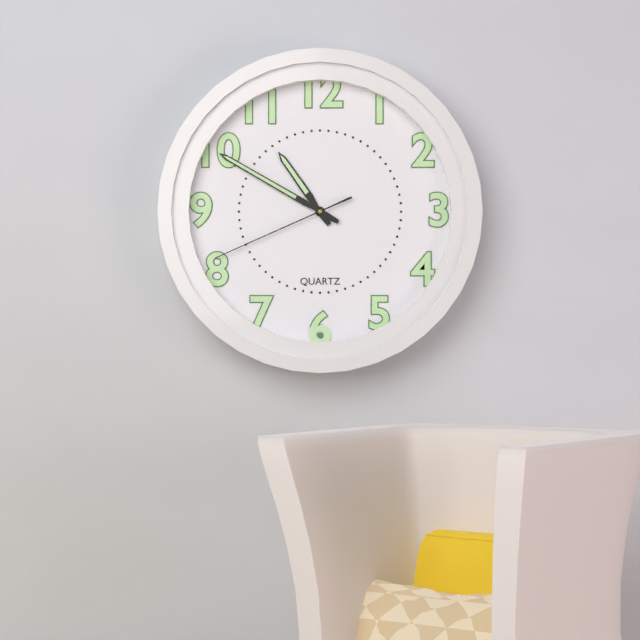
10:50:41
